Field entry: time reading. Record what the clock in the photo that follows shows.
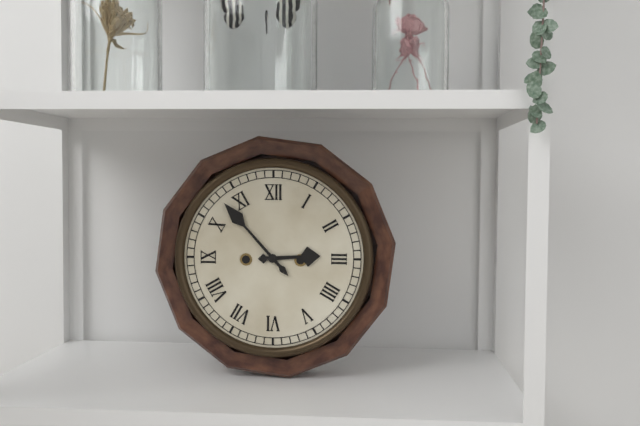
2:53
